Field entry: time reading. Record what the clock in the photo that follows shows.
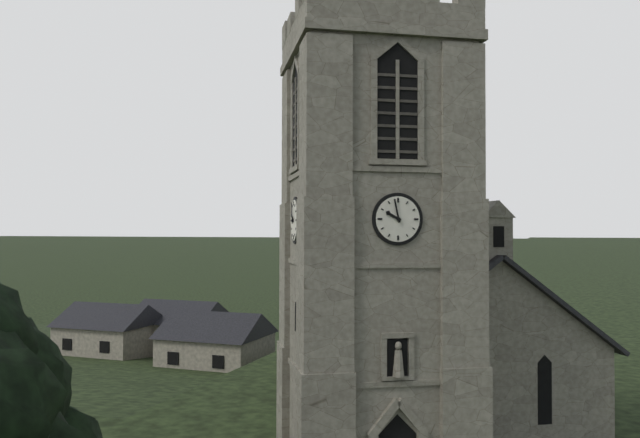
9:58
